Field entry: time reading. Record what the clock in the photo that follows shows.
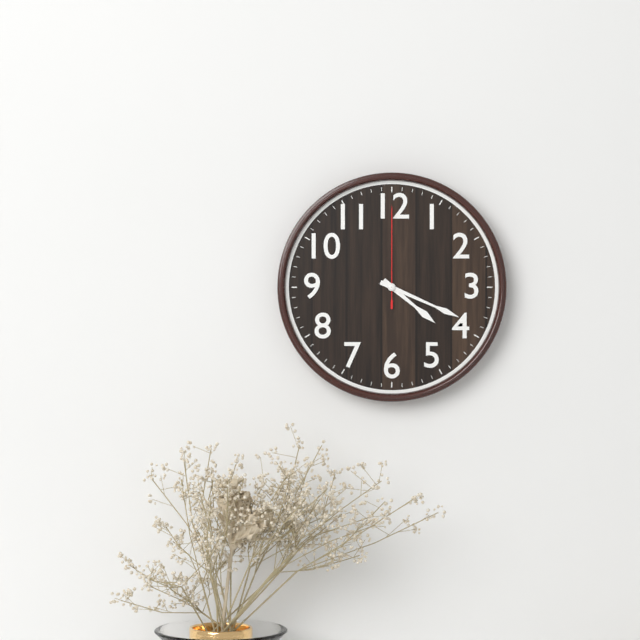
4:19:00
